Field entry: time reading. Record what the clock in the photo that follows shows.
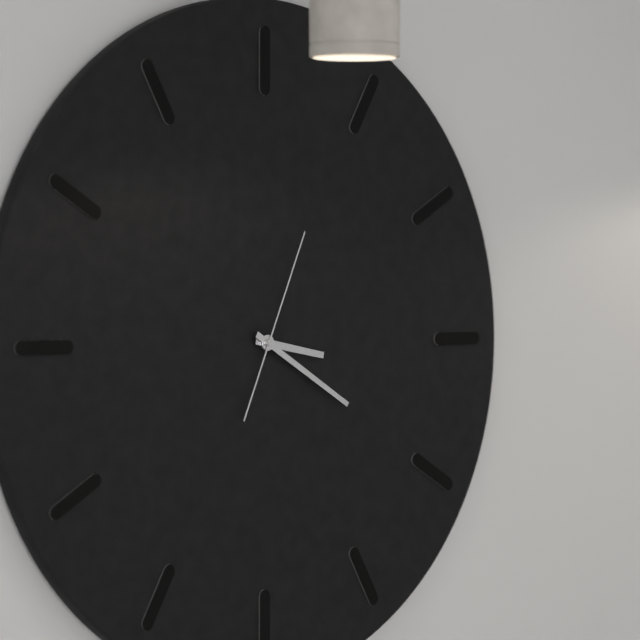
3:20:04
